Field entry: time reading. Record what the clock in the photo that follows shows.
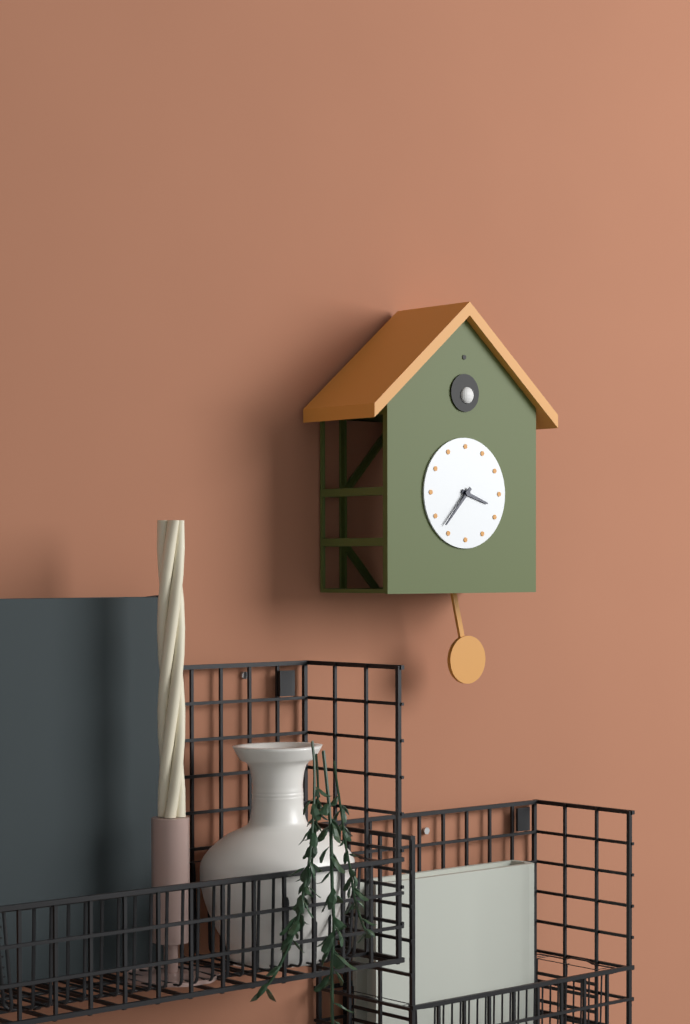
3:37
